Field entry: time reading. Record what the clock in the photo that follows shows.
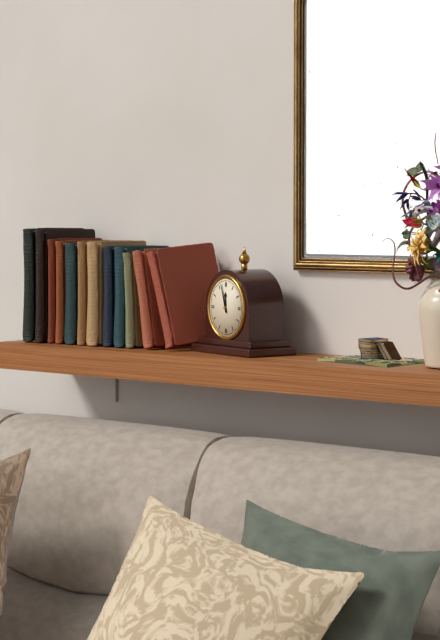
11:57
